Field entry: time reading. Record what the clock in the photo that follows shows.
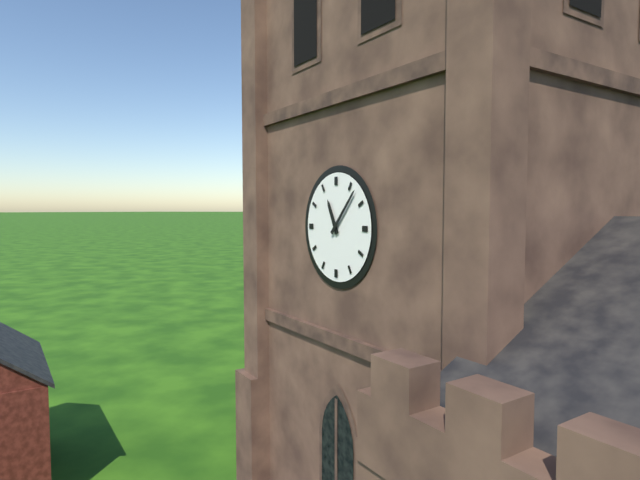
11:07
